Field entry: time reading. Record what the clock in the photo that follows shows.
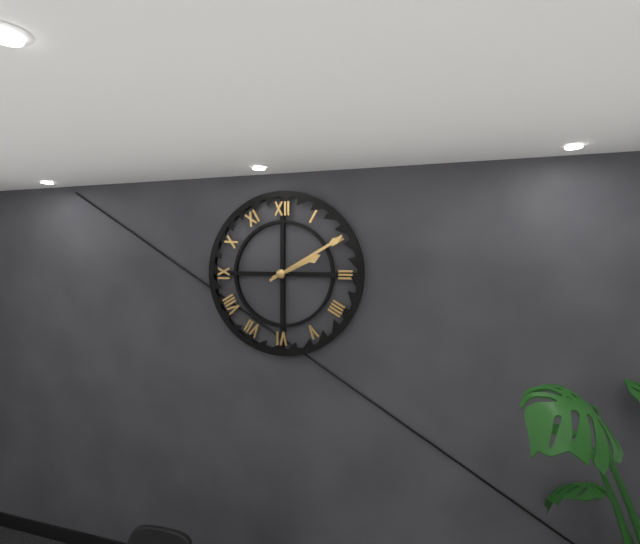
2:10
